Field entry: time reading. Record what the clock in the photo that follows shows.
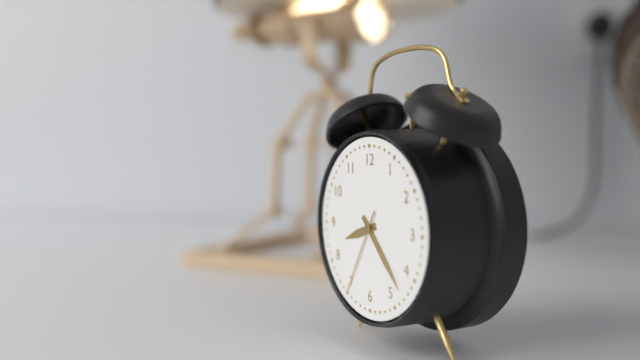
8:23:35
